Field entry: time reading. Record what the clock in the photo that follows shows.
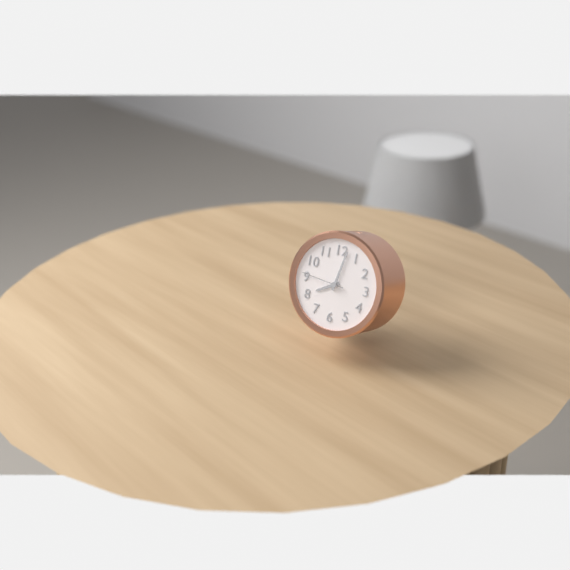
8:02
